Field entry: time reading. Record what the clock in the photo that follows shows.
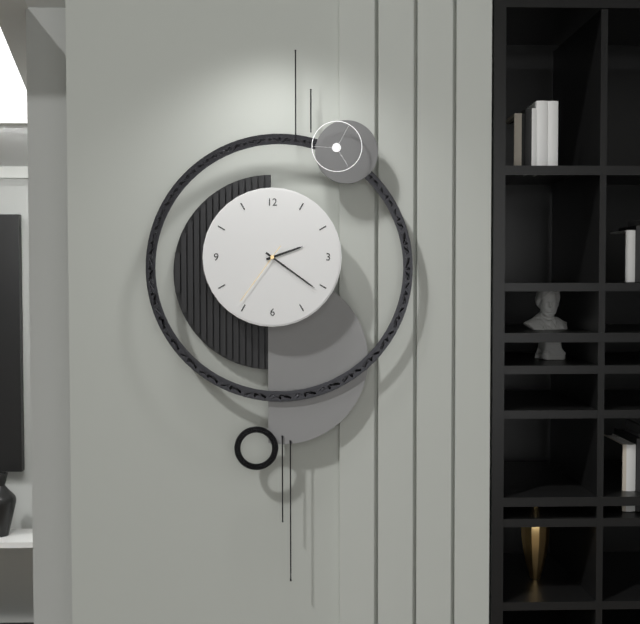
2:21:36
